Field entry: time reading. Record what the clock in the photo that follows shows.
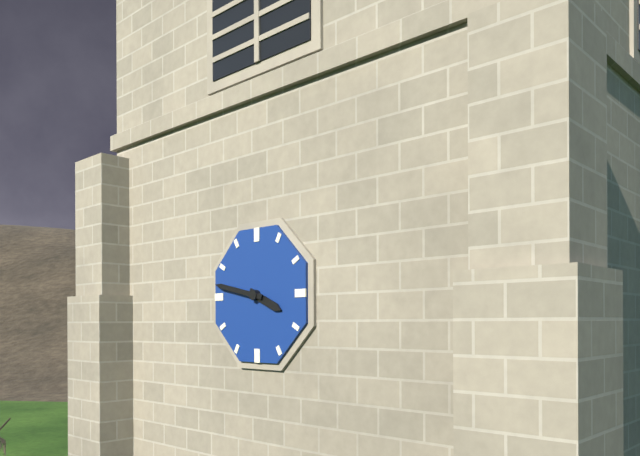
3:47
